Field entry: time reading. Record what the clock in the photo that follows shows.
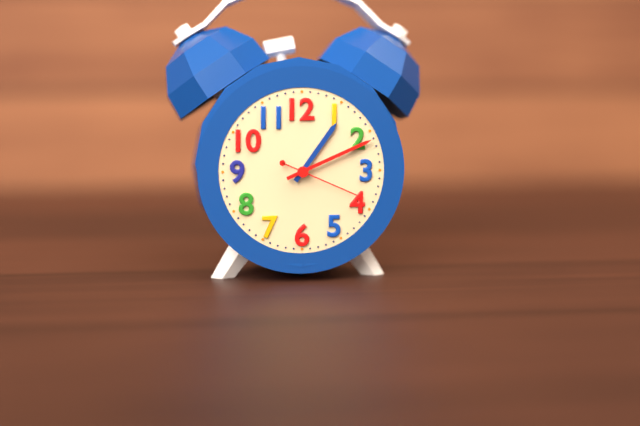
1:11:19
